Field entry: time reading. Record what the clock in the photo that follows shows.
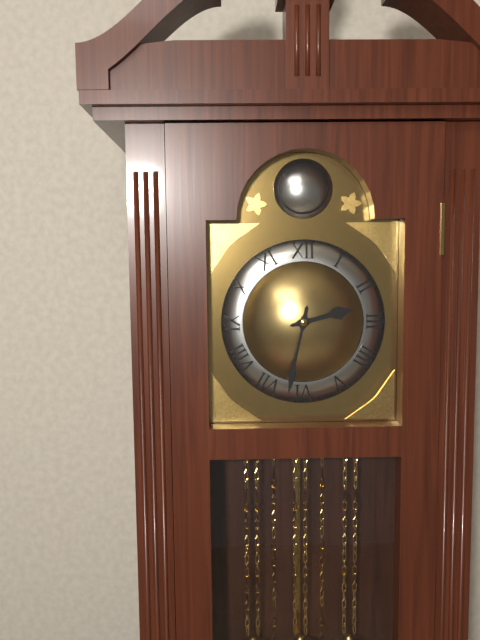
2:32
